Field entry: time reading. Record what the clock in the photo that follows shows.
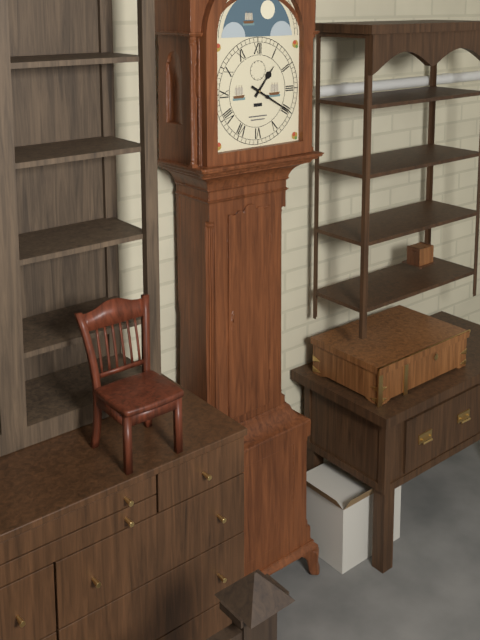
1:20
